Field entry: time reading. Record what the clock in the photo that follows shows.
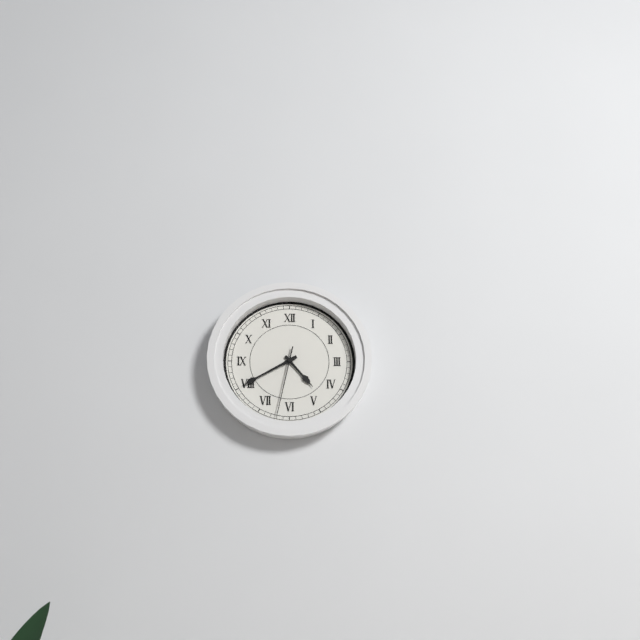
4:40:32
